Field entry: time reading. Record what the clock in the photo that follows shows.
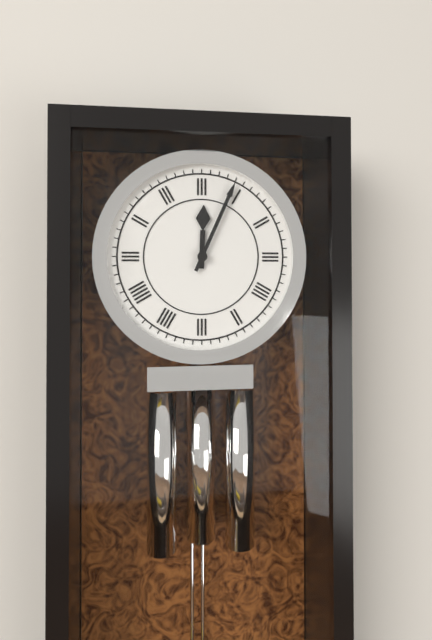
12:04
